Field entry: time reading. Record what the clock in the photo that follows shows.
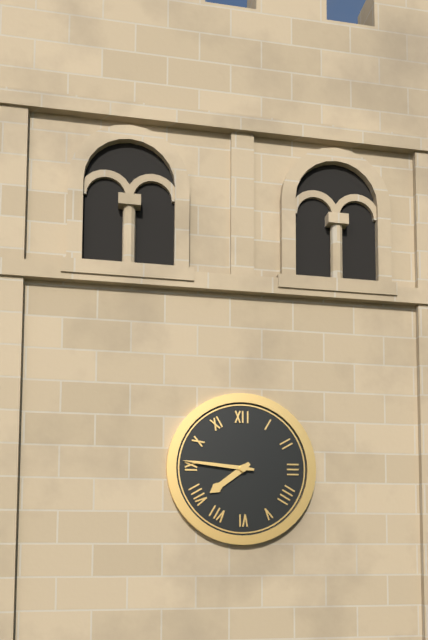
7:46
